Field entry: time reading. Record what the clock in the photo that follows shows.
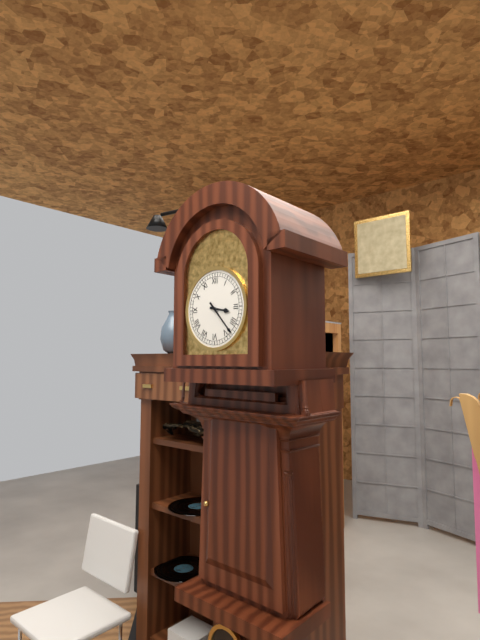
3:23
